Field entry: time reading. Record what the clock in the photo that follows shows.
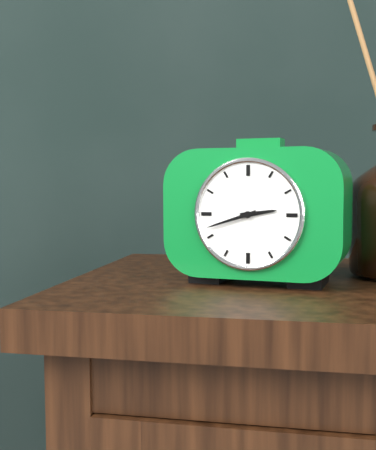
2:42
